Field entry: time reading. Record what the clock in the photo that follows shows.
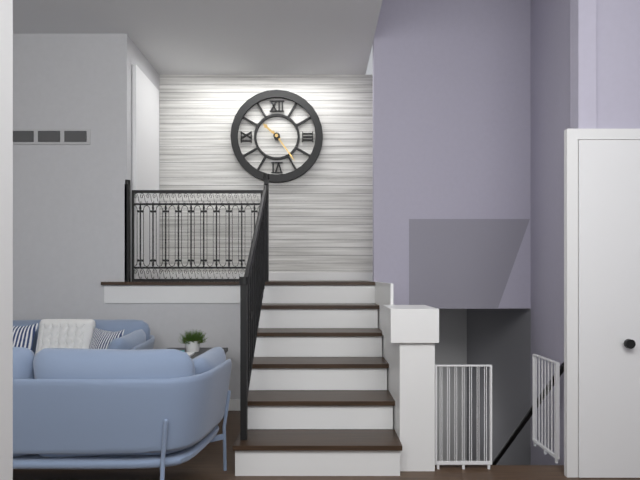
10:24
